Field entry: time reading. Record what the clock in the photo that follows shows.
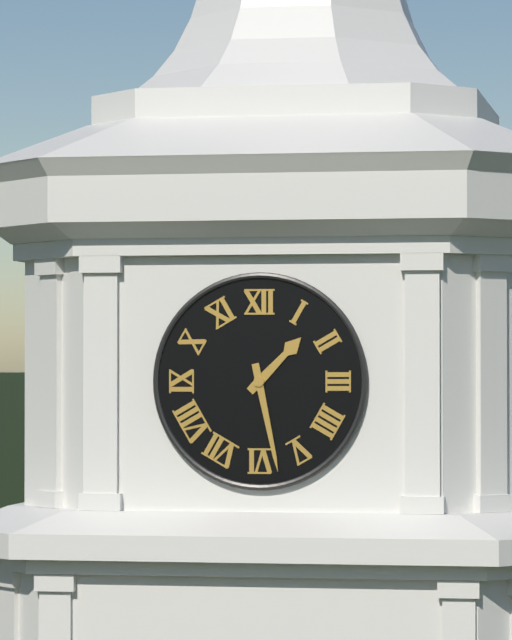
1:28
